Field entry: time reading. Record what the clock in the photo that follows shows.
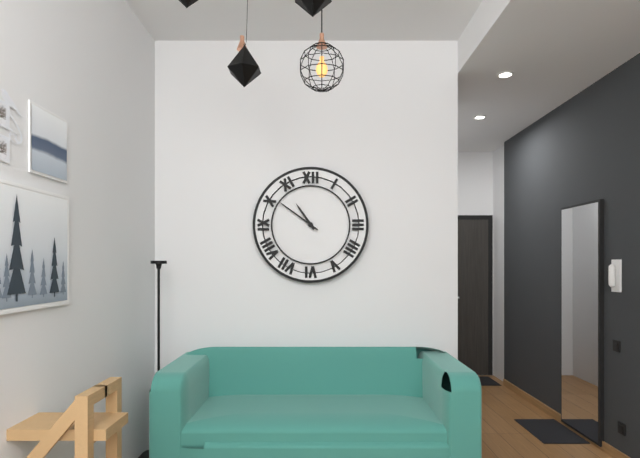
10:51
